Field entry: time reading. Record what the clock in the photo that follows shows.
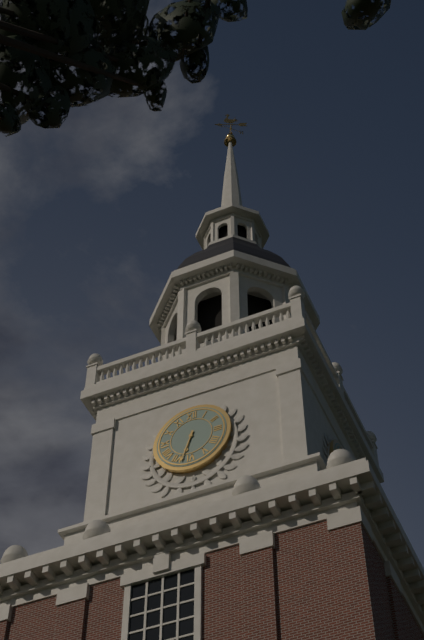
6:33
